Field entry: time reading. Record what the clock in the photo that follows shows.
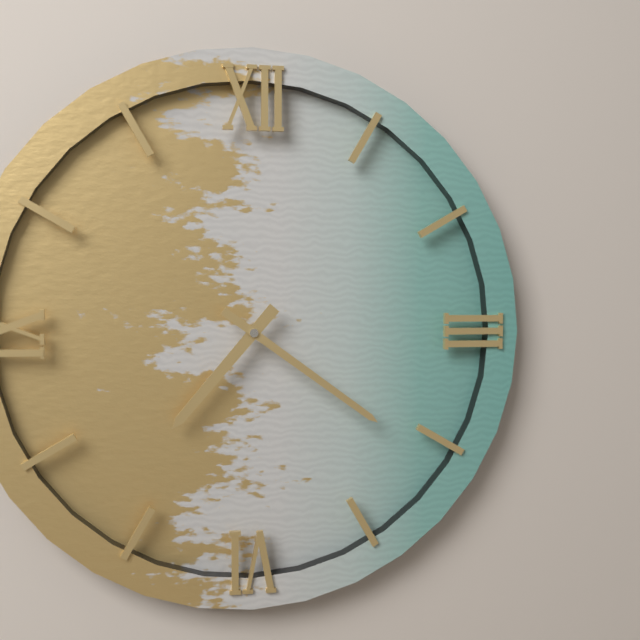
7:21
